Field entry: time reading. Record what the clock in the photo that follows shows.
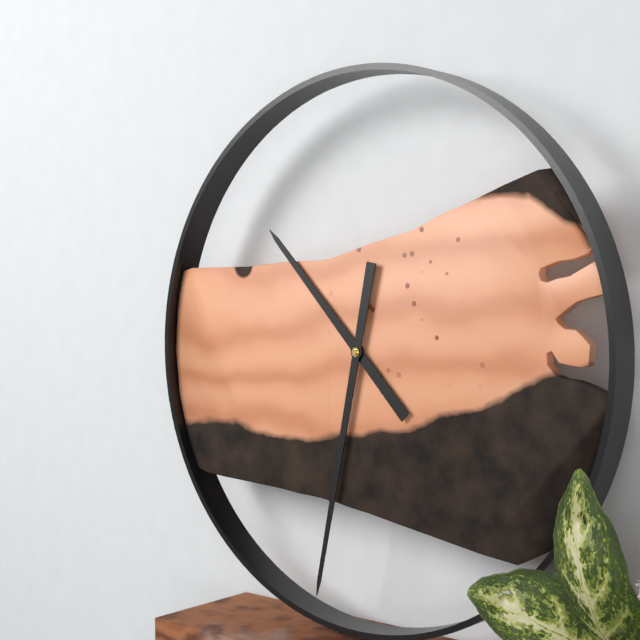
10:32
